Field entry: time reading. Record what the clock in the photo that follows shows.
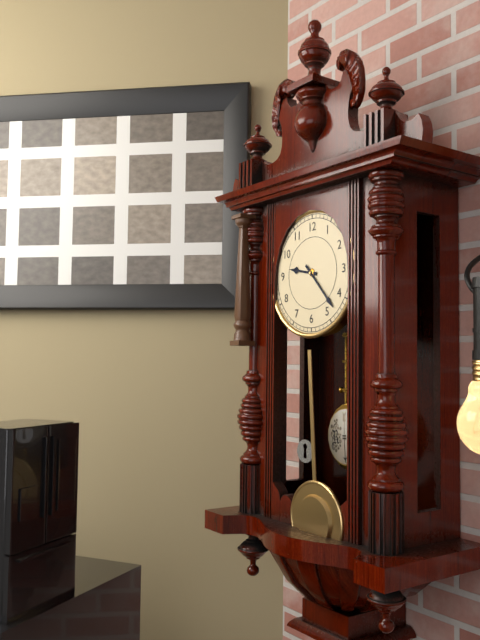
9:23
